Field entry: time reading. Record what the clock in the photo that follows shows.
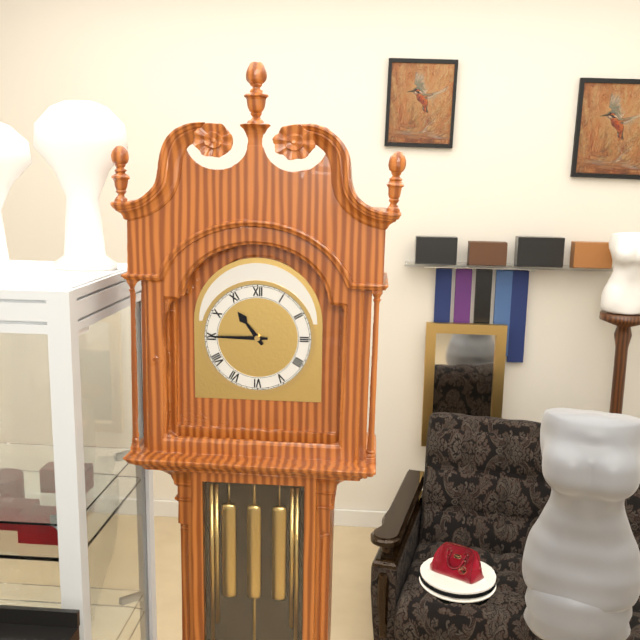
10:45
